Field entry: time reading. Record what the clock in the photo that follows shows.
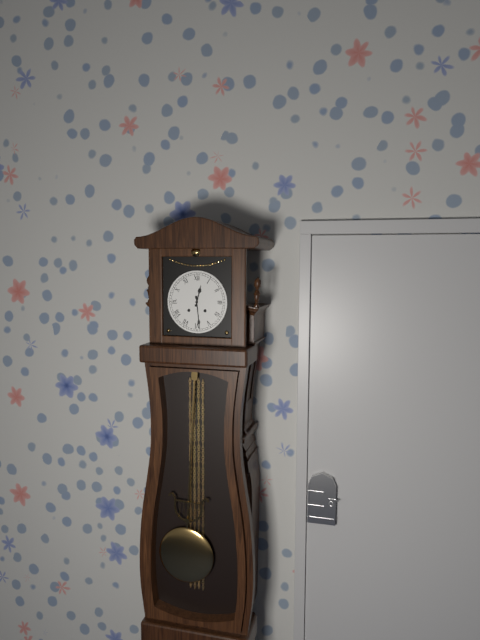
12:29
